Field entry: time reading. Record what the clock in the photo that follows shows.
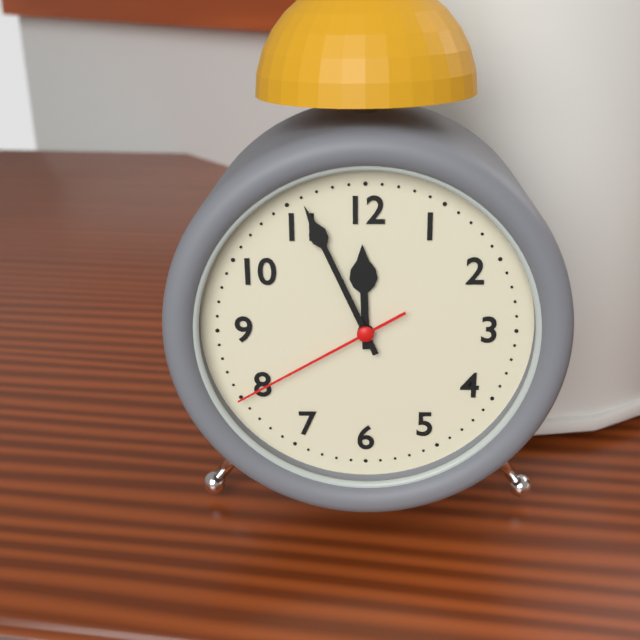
11:56:40
